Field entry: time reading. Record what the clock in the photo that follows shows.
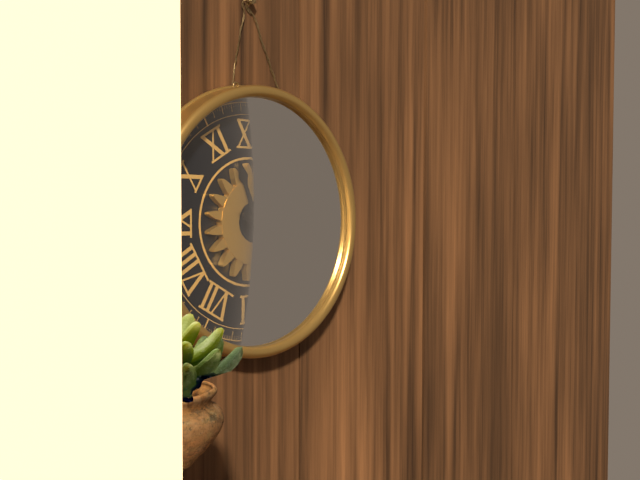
11:19
